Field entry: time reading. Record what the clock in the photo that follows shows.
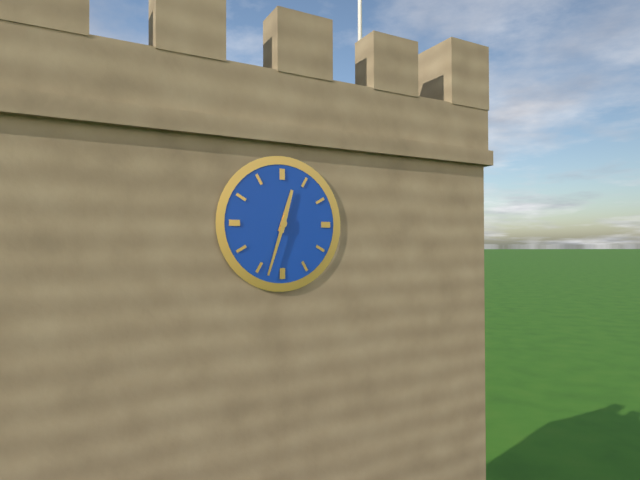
12:33
